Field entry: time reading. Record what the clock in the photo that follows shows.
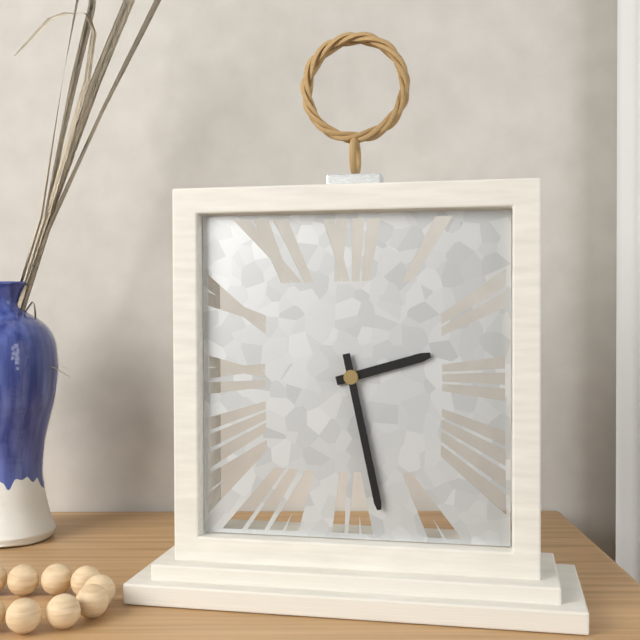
2:28
